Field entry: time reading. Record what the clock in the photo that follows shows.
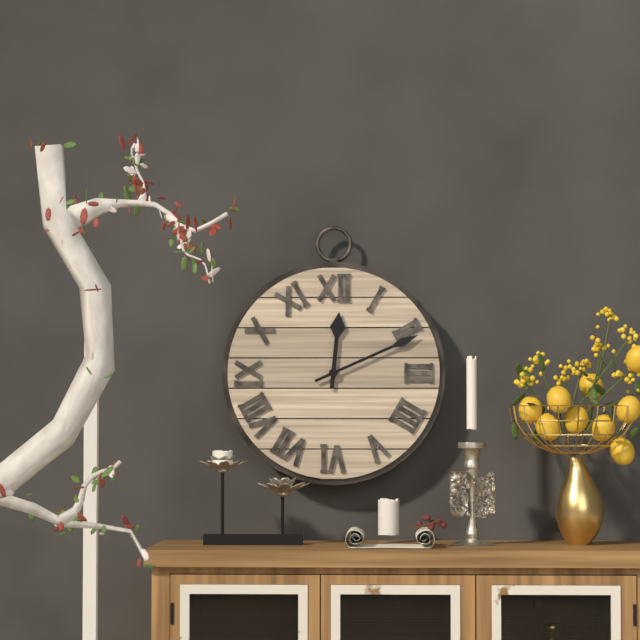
12:11
